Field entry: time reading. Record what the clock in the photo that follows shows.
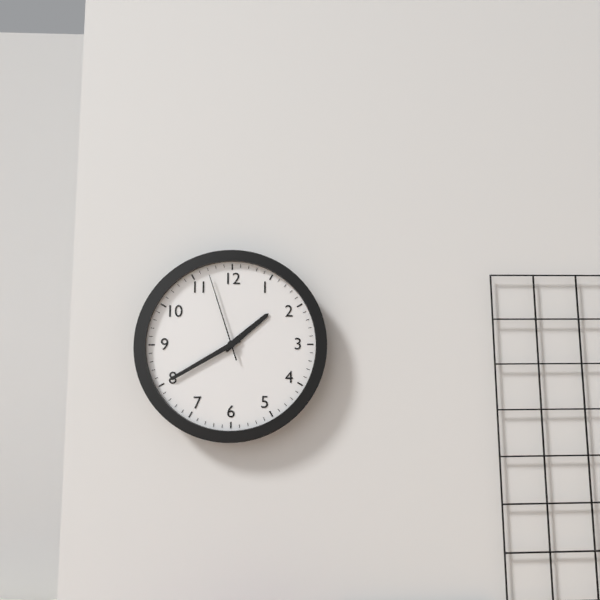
1:40:57
